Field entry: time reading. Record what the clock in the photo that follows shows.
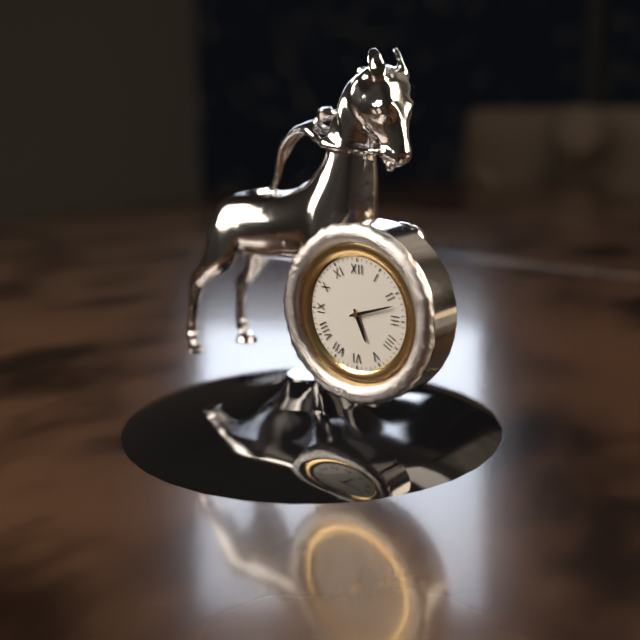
5:12
